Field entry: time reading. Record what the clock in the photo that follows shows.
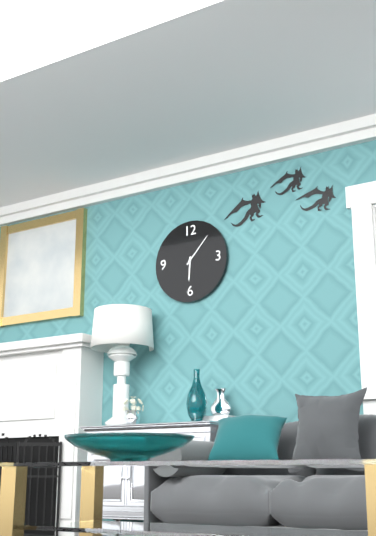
6:07
